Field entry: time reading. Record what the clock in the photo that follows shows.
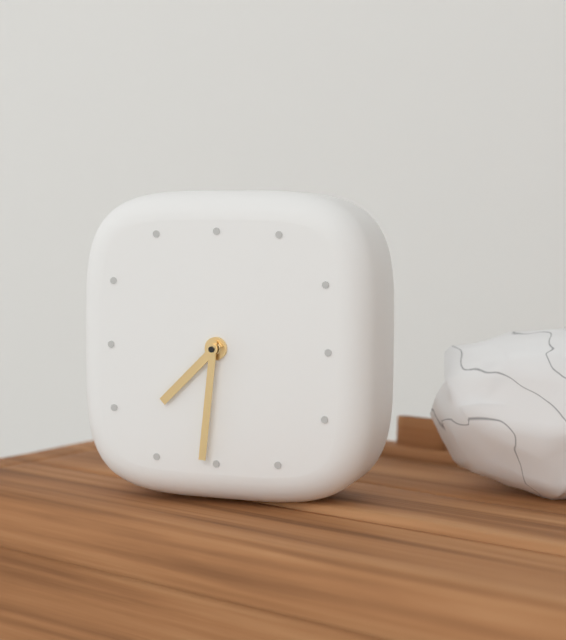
7:31
